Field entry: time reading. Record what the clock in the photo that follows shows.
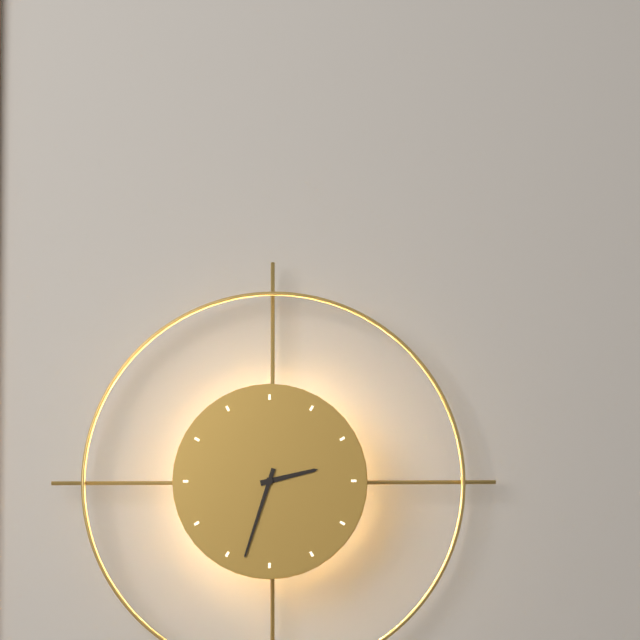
2:33
